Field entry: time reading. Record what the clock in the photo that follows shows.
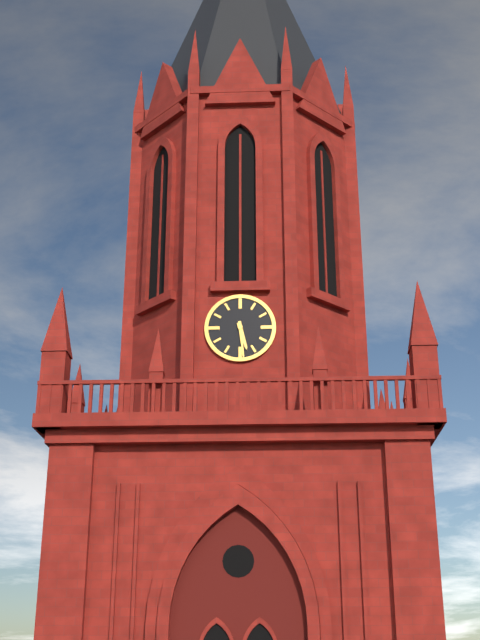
5:29
